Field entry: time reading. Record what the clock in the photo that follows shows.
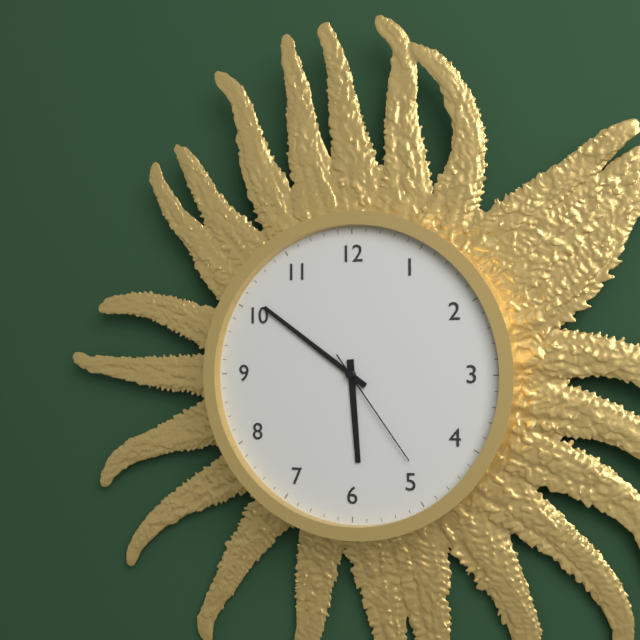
5:51:24
